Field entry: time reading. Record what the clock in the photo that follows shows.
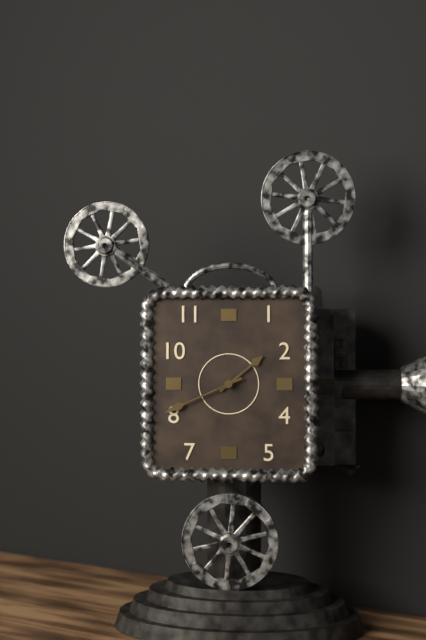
1:41
